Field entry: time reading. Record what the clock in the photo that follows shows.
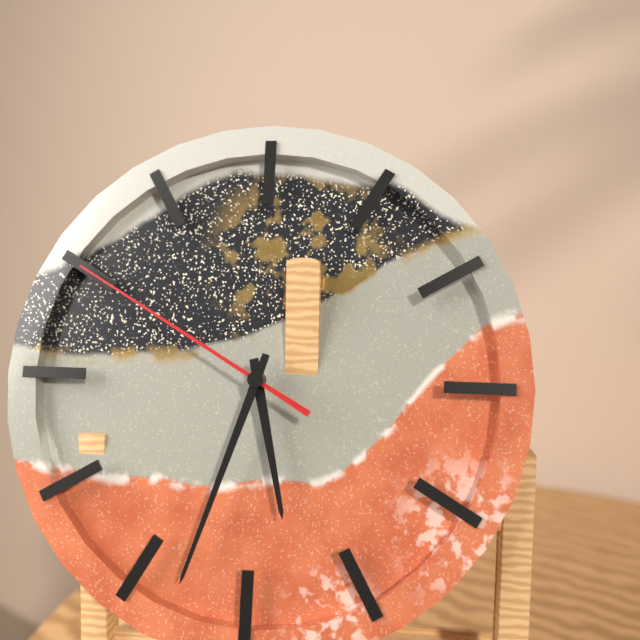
5:33:50
